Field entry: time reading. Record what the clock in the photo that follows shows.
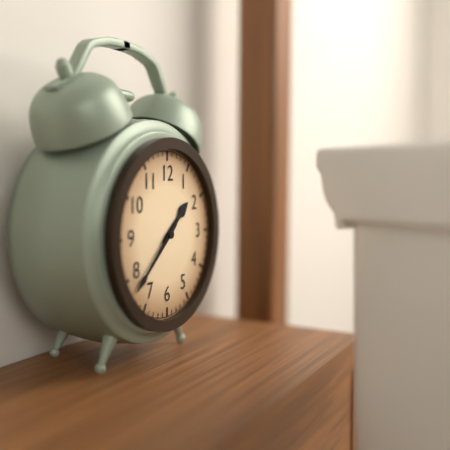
1:38
